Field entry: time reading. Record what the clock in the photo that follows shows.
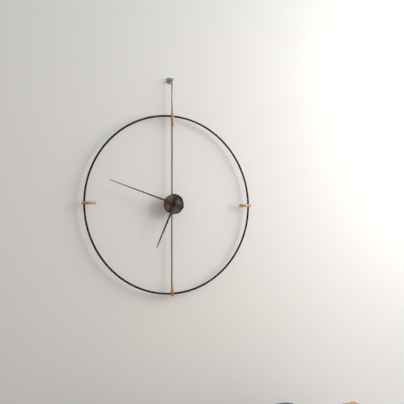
6:48
